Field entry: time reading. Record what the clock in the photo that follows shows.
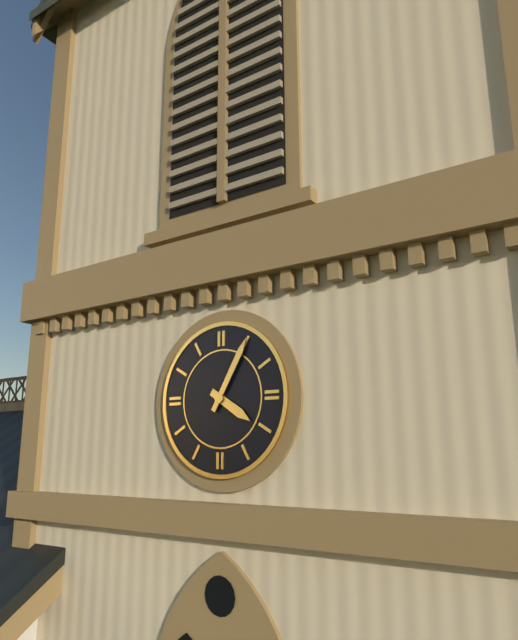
4:05
